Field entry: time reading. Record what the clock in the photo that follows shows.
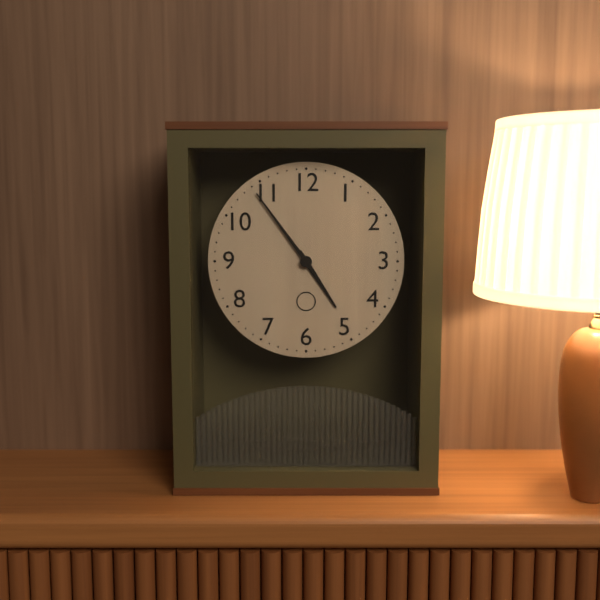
4:54
